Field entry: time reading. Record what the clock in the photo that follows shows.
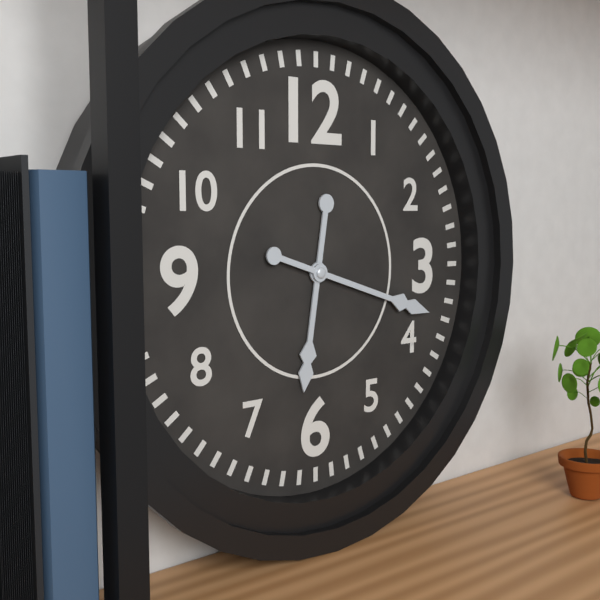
6:18
